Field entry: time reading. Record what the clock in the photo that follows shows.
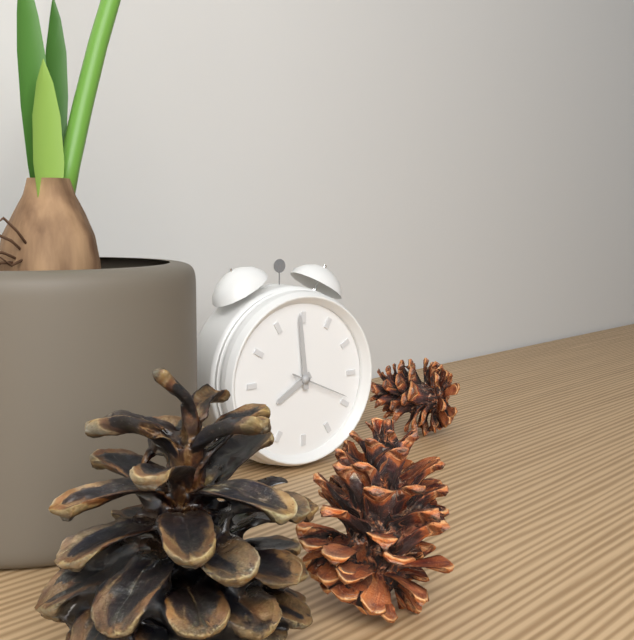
7:59:19
